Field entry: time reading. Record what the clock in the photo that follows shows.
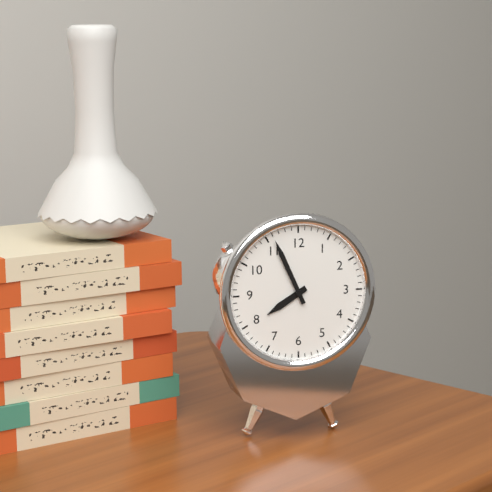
7:56
